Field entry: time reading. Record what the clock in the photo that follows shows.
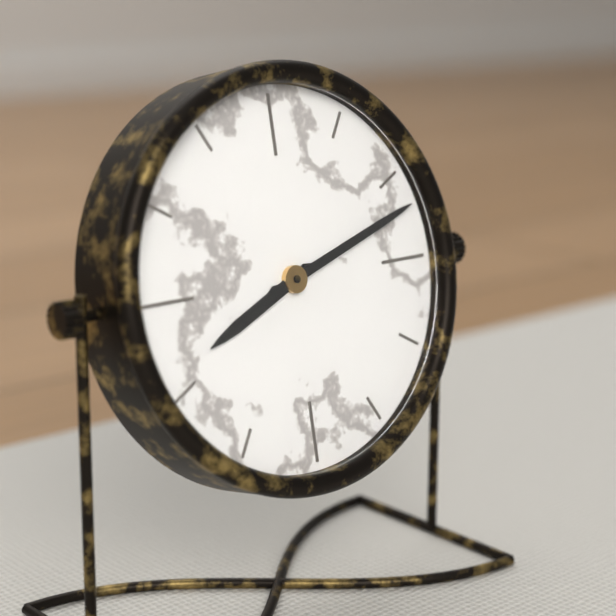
8:12
